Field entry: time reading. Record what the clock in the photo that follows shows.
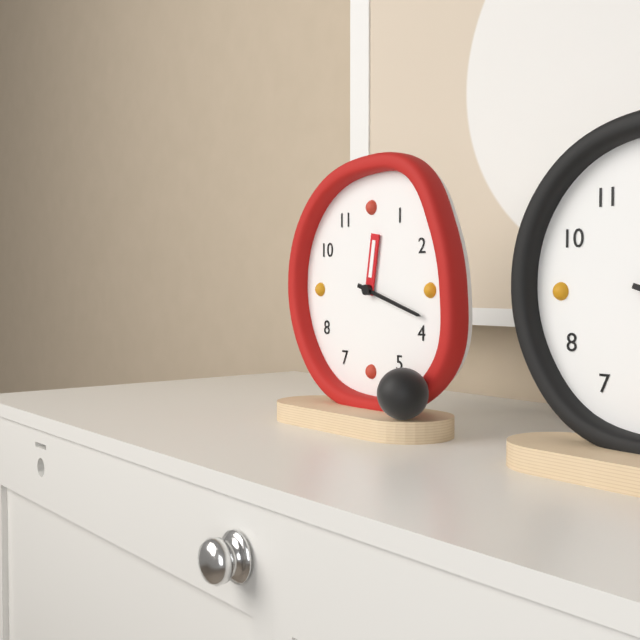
12:18
